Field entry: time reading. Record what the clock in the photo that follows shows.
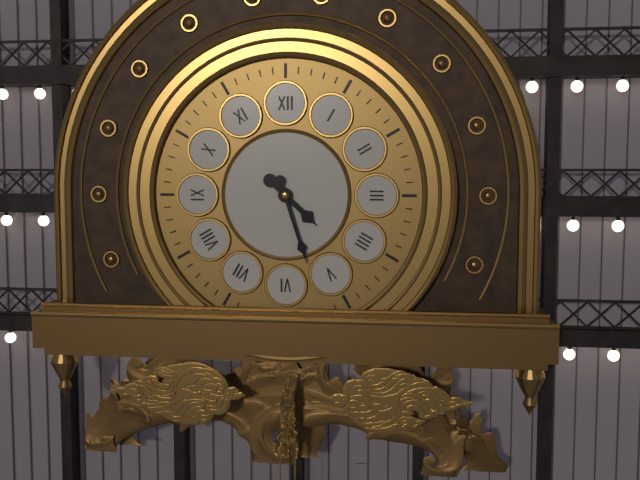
4:27
